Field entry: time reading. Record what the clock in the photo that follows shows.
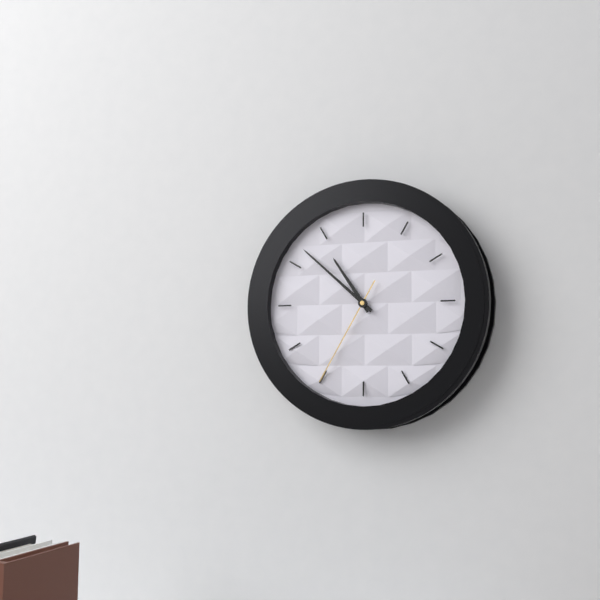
10:52:35
